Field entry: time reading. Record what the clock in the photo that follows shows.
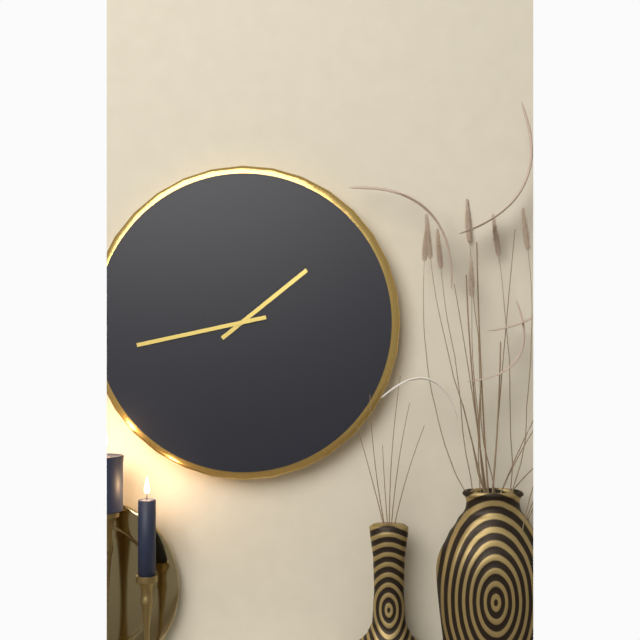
1:43
